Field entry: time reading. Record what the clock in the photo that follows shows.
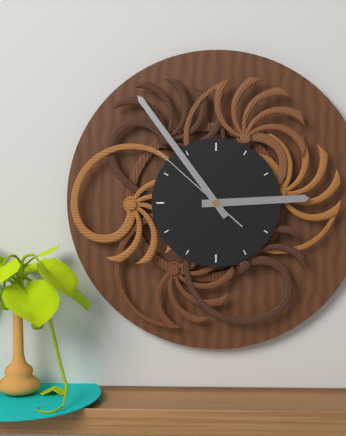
2:54:52
